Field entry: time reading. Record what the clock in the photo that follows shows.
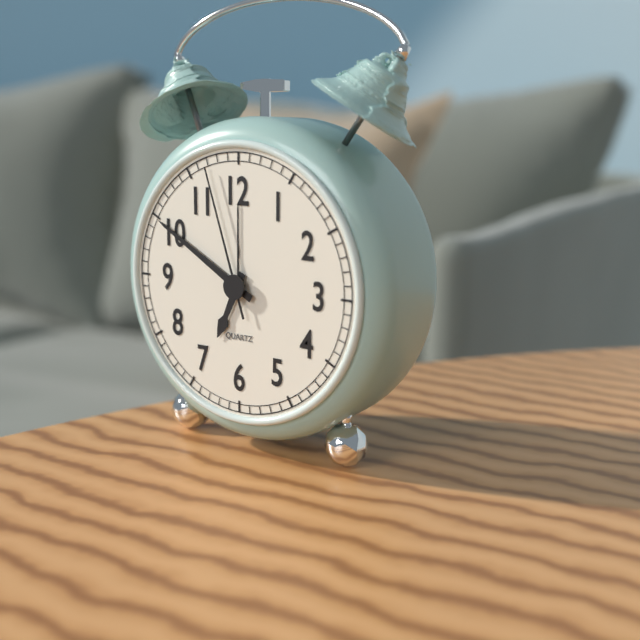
6:50:57
